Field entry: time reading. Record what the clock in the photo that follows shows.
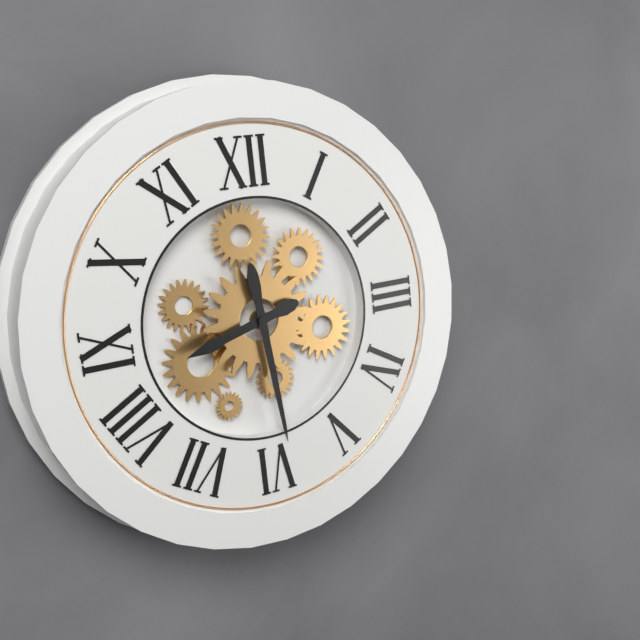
8:29
